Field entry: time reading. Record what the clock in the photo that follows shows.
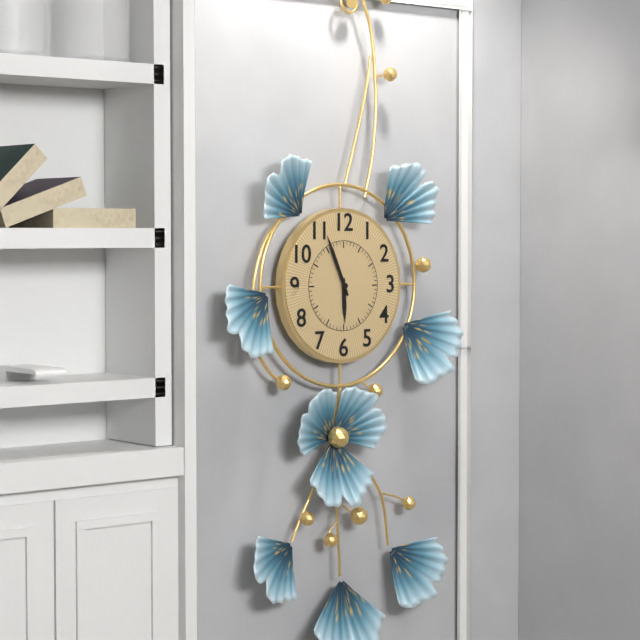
5:56
